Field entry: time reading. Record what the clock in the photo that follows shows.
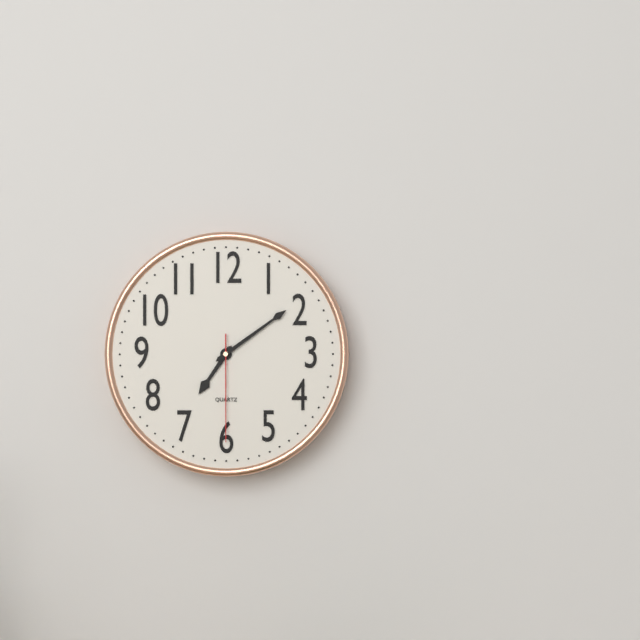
7:09:30
